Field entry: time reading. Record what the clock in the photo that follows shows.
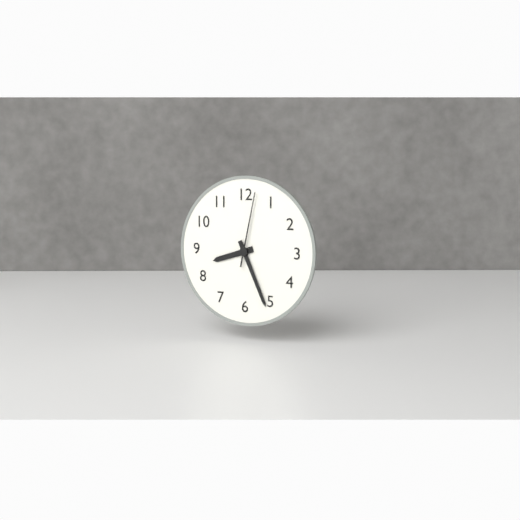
8:26:02
